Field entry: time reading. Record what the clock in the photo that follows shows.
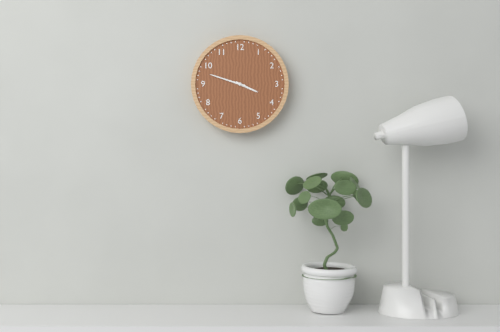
3:48
